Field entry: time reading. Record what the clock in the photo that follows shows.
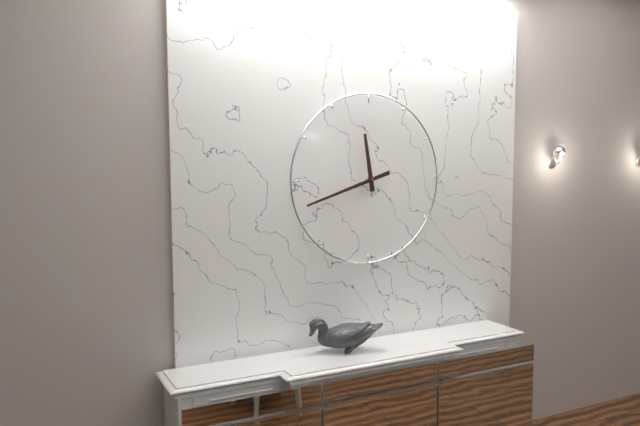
11:42
